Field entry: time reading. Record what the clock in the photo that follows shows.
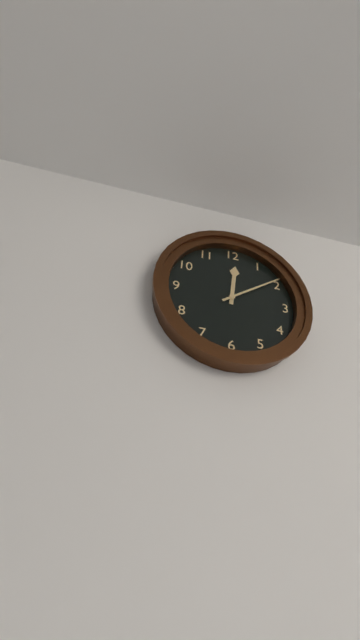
12:09
